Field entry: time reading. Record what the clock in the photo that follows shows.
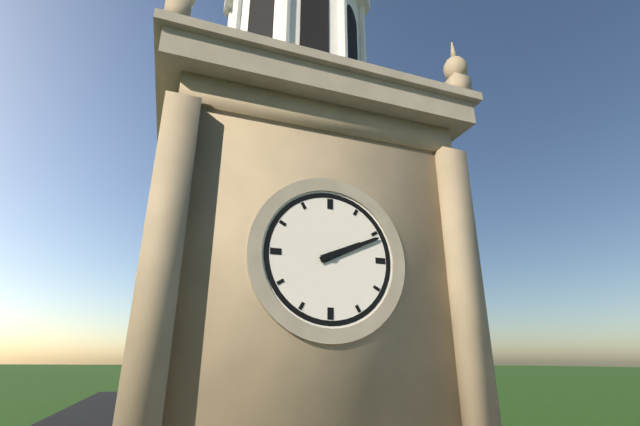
2:11
